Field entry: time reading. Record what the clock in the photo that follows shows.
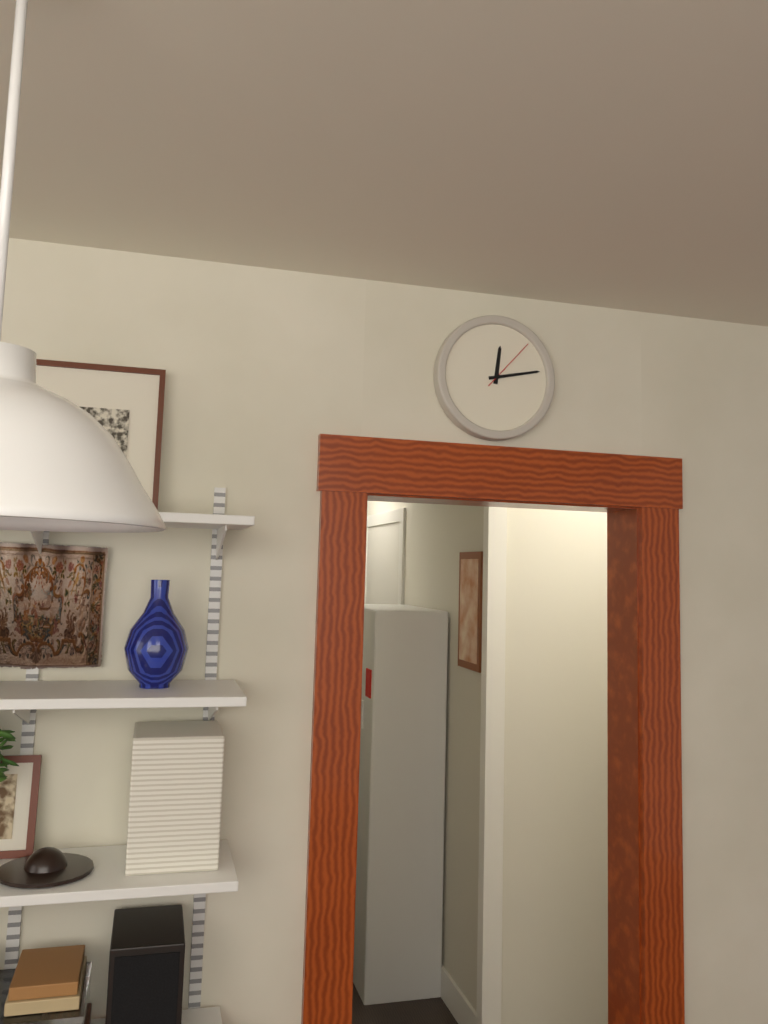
12:13:07
